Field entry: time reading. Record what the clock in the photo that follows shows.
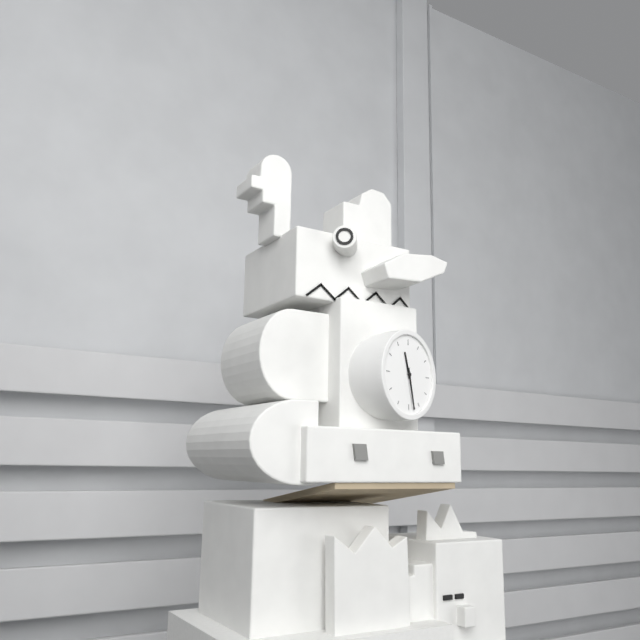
11:28
